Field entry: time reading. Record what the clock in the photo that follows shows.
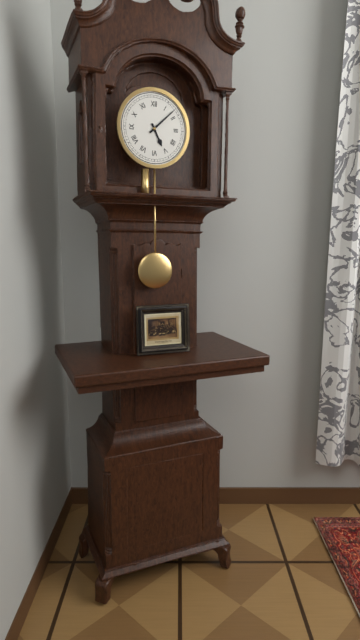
5:08
